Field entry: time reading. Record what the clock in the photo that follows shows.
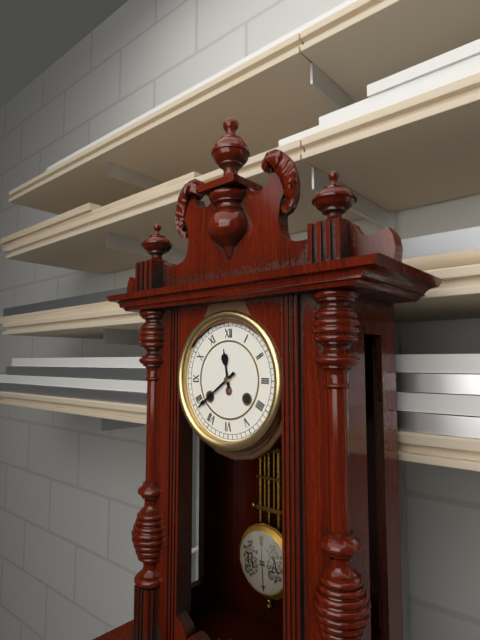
11:39
